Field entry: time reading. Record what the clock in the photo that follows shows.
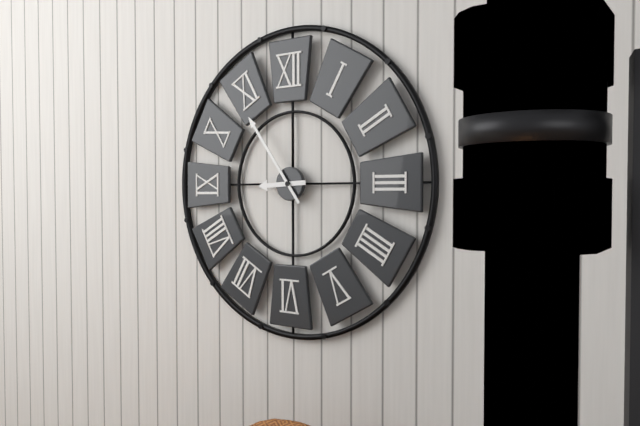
8:54
